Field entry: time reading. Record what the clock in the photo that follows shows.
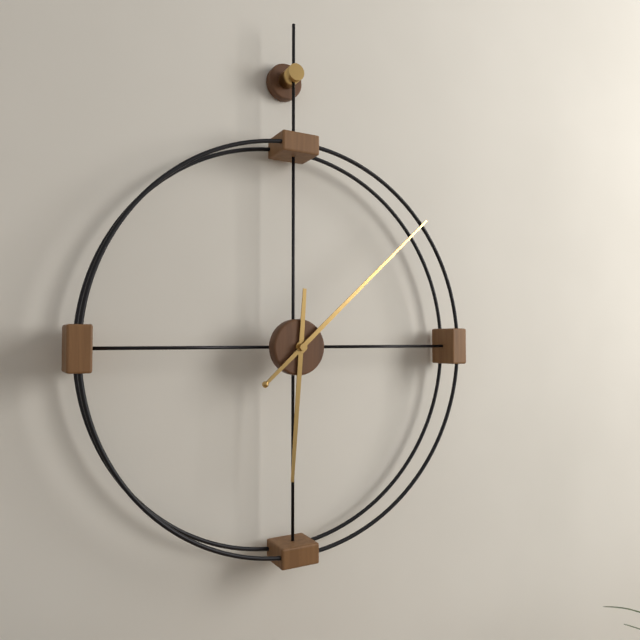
6:08
